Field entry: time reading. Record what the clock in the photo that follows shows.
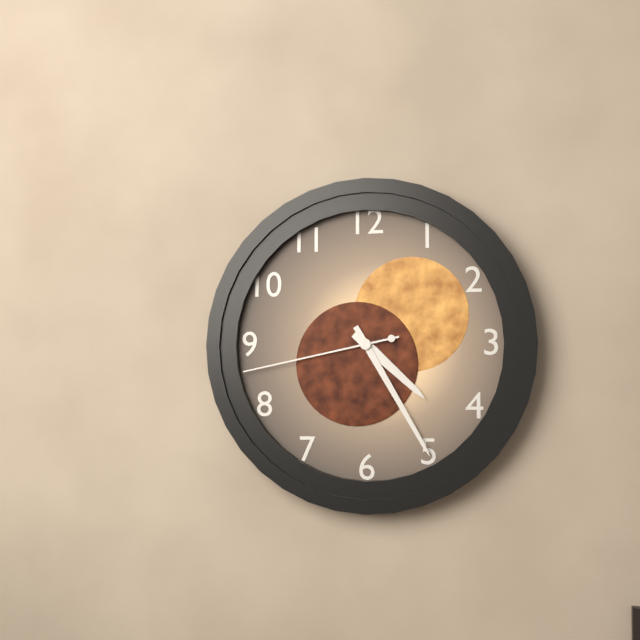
4:25:43
